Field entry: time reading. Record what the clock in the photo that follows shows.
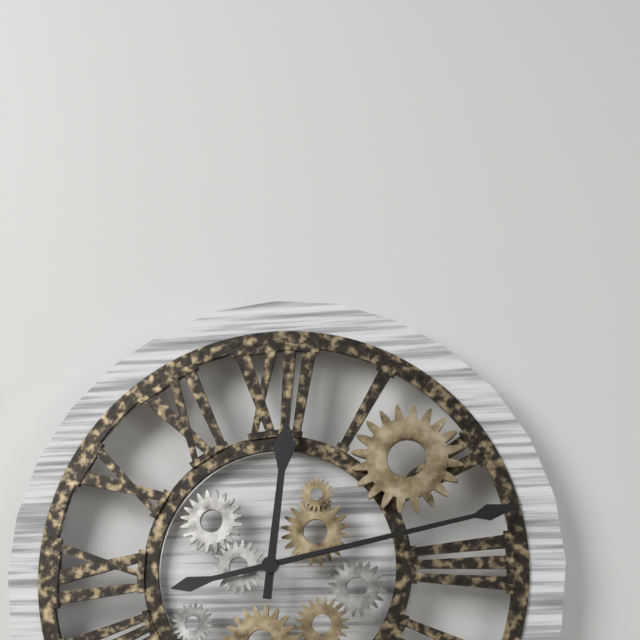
12:13
